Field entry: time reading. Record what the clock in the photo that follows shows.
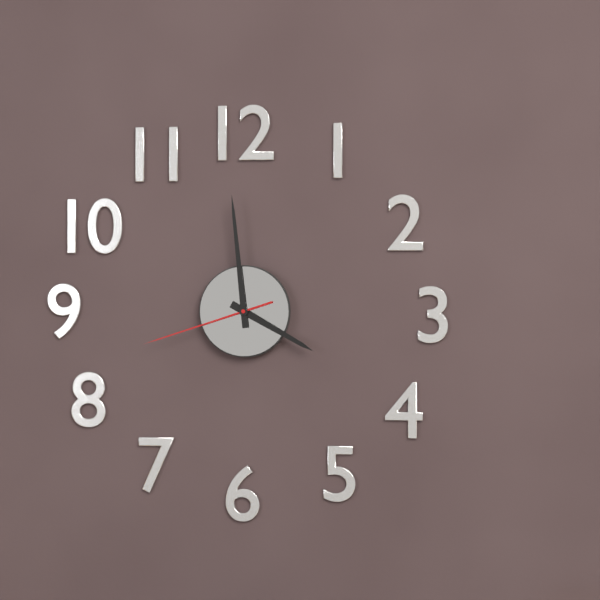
3:59:42
